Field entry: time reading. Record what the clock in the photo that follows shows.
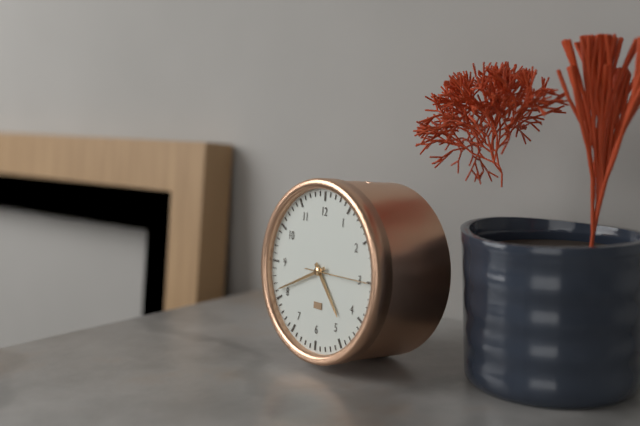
4:41:15
